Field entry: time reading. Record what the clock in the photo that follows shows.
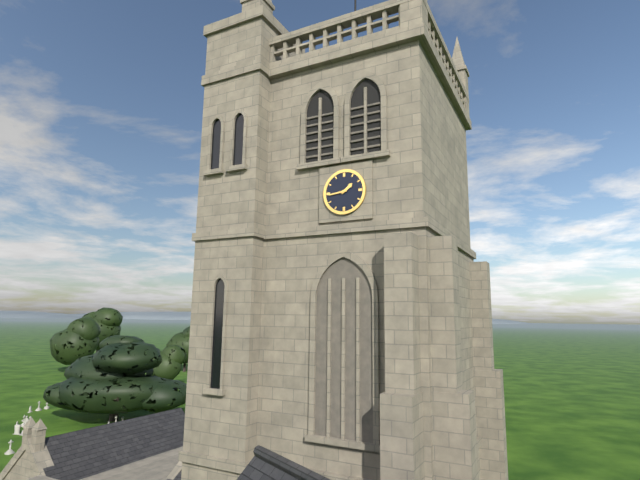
1:44
